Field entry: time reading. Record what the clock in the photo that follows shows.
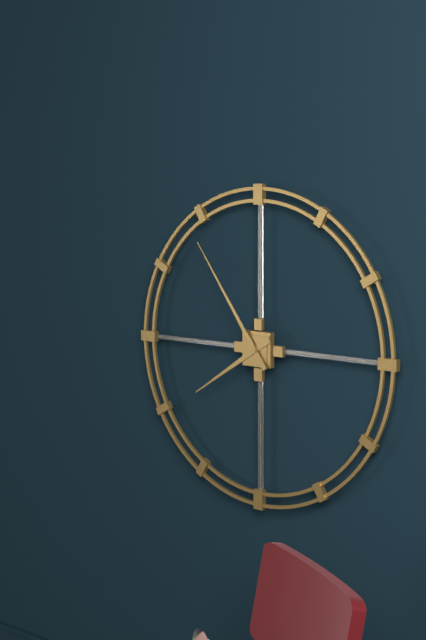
7:54
